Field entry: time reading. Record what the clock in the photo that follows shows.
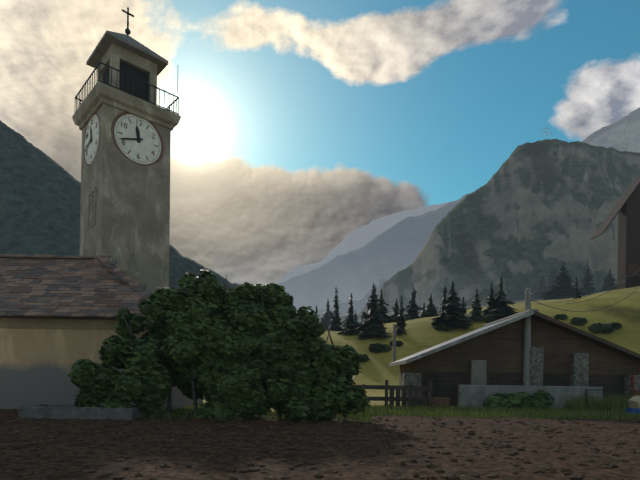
11:42
